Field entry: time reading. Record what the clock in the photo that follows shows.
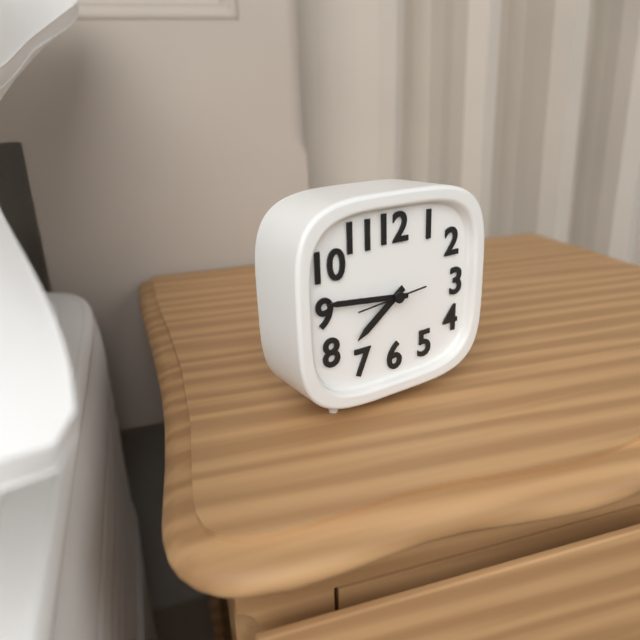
7:46:44
